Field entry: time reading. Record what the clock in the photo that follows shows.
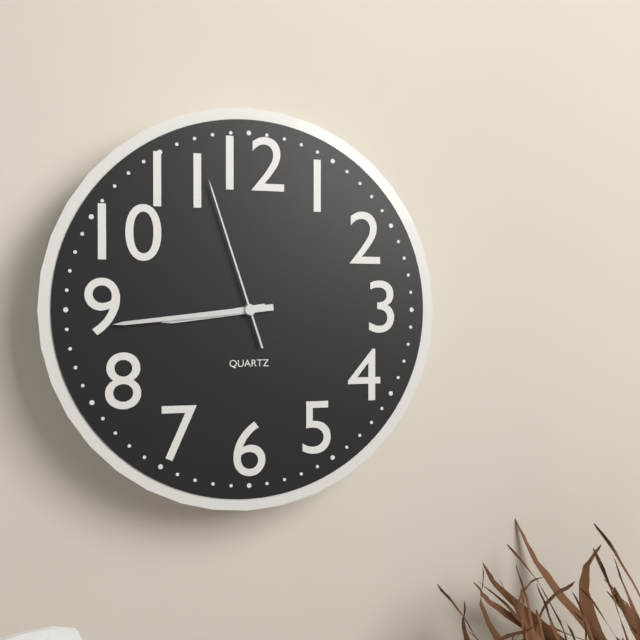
8:44:57
